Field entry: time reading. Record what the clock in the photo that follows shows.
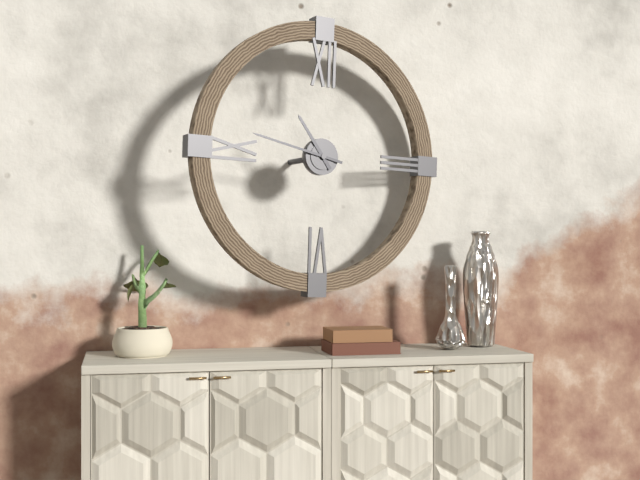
10:47
